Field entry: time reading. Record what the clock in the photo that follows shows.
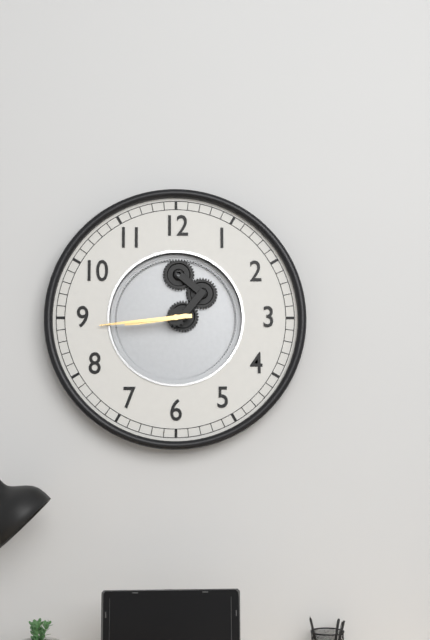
8:44
